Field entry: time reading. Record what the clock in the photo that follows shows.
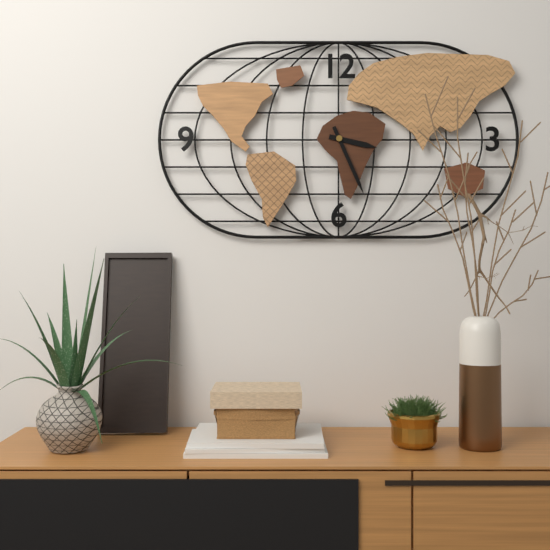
3:26
